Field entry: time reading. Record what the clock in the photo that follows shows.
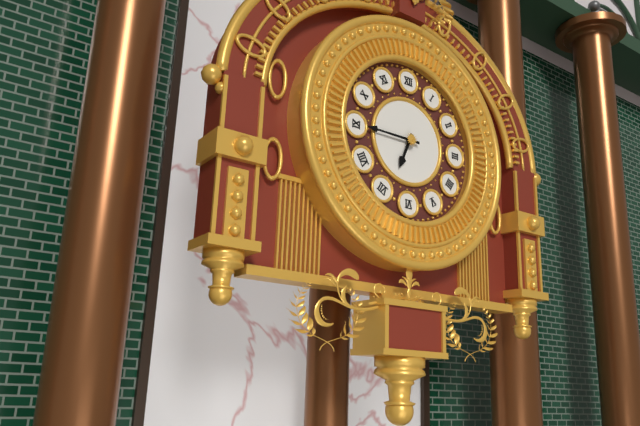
6:45
